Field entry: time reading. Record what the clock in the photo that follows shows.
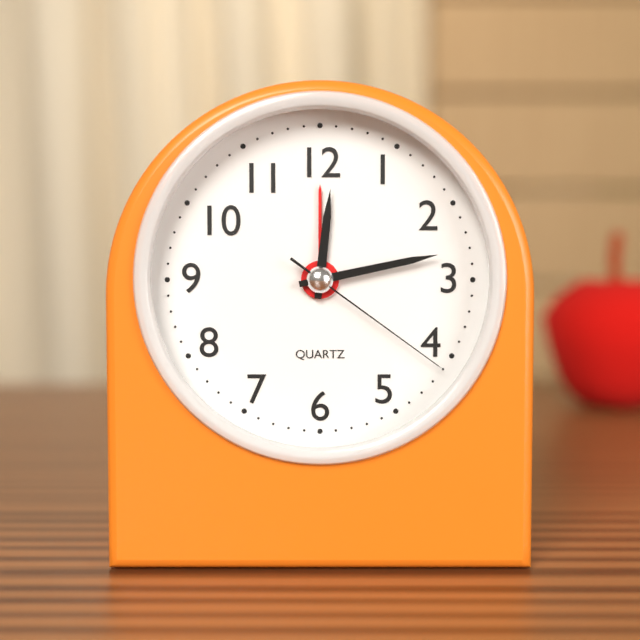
12:13:21
